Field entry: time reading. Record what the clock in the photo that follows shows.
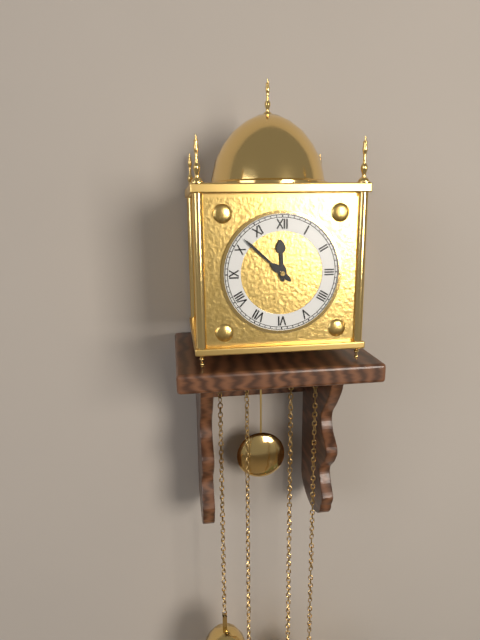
11:52
